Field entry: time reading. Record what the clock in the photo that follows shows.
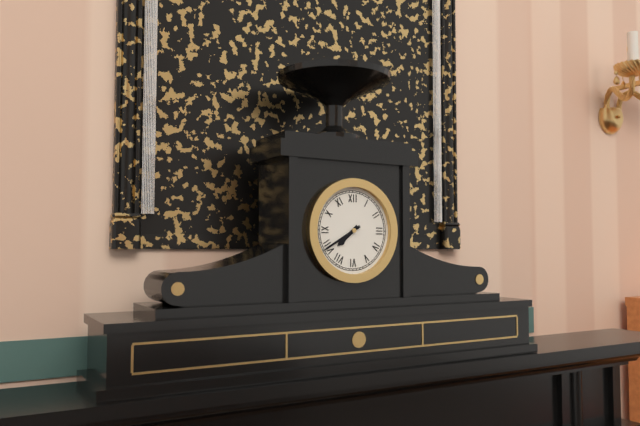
7:40
